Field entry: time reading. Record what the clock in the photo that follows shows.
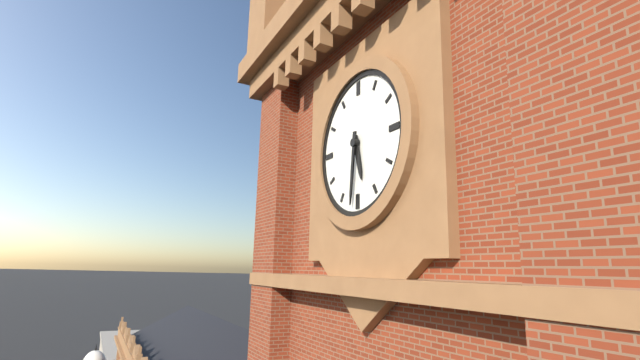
5:31
